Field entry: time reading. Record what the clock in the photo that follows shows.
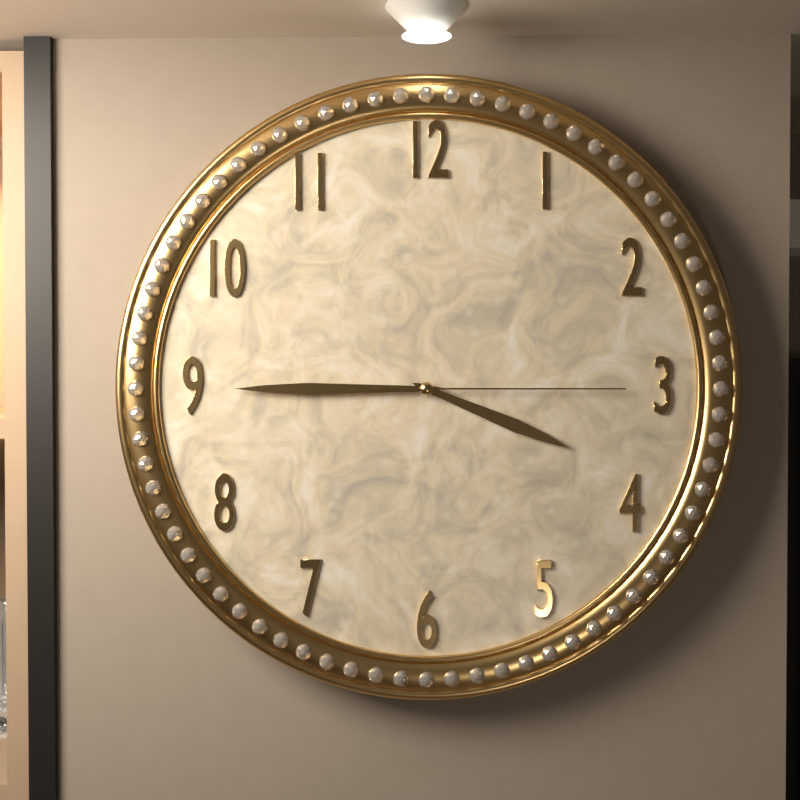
3:45:15
